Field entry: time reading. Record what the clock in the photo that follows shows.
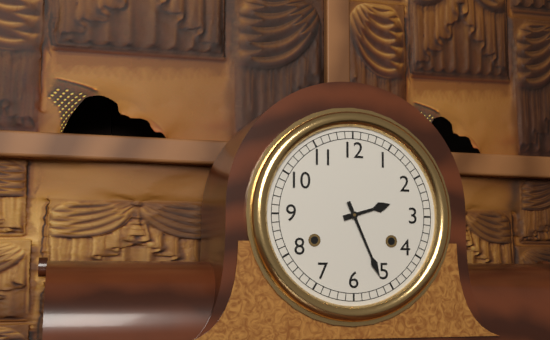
2:26
